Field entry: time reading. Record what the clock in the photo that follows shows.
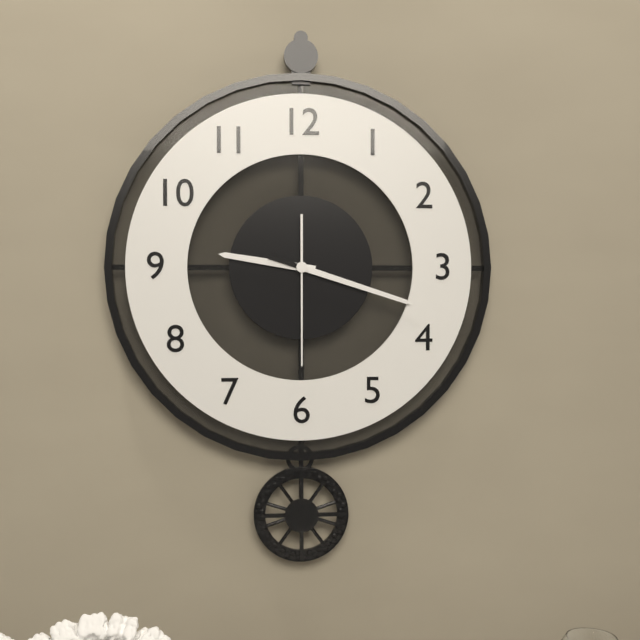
9:18:30
